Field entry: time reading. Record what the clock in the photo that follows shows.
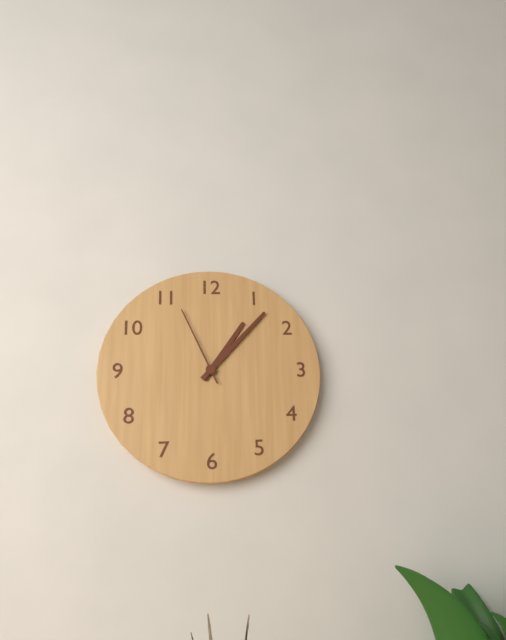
1:07:56
